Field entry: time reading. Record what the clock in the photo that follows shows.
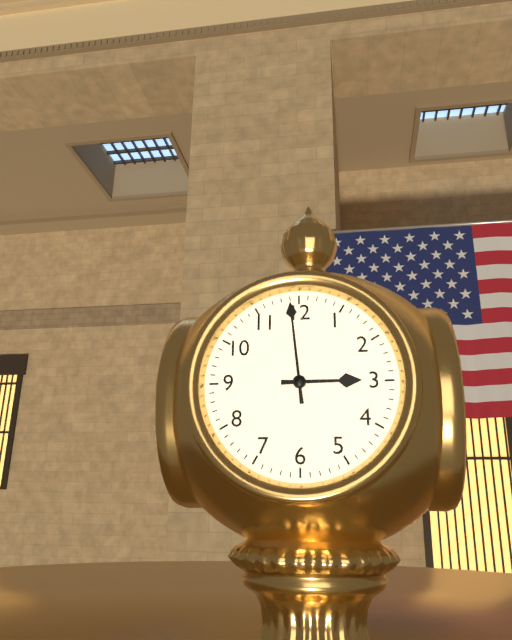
2:59
